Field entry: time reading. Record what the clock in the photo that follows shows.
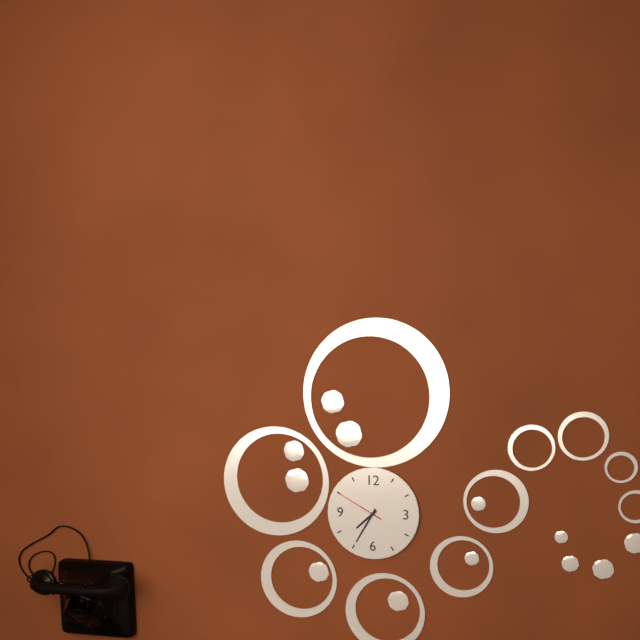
7:35
